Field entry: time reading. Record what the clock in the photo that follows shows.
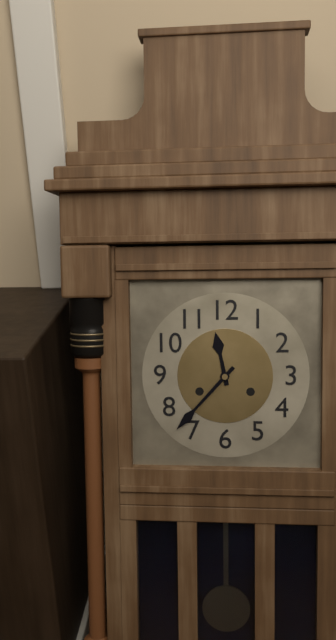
11:37
